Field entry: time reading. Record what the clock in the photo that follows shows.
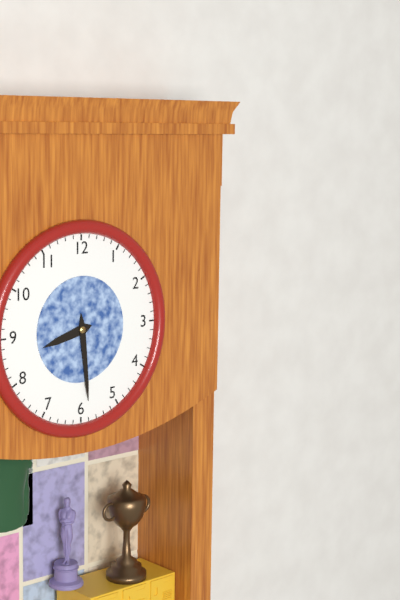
8:29
